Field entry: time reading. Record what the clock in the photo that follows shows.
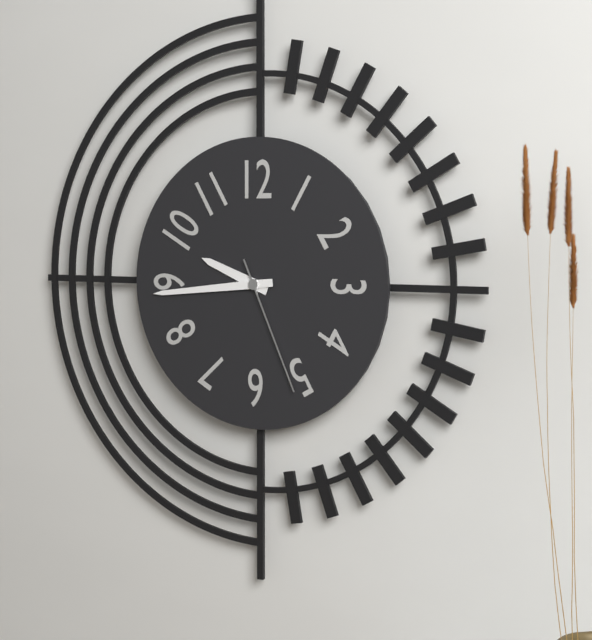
9:44:26
